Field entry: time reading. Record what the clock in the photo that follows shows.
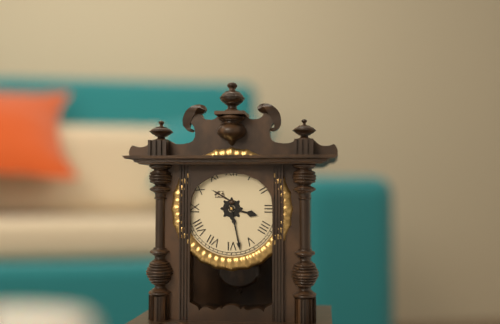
3:28
